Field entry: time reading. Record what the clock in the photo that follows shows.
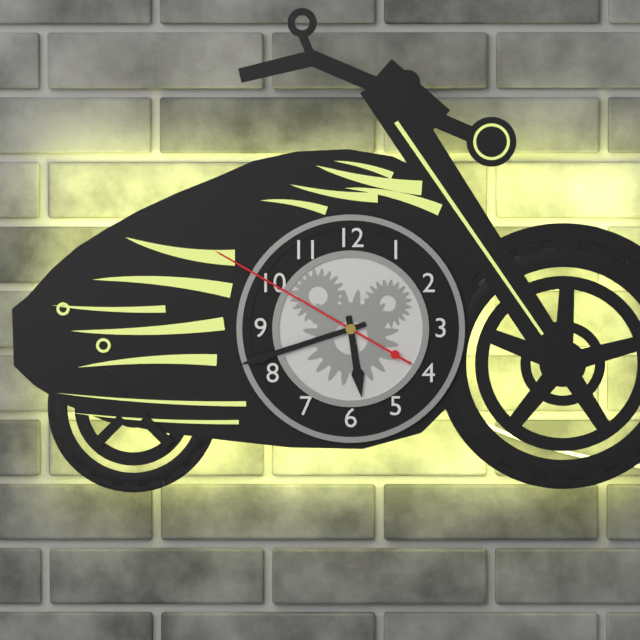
5:42:50
